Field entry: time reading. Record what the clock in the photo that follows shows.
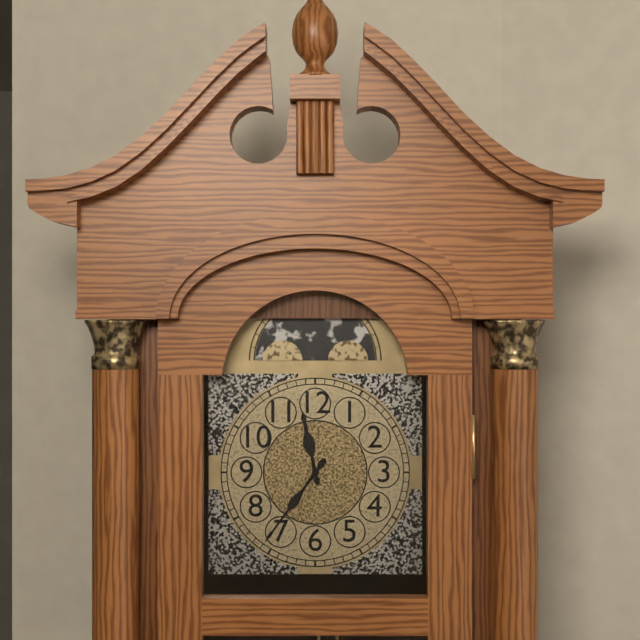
11:36
